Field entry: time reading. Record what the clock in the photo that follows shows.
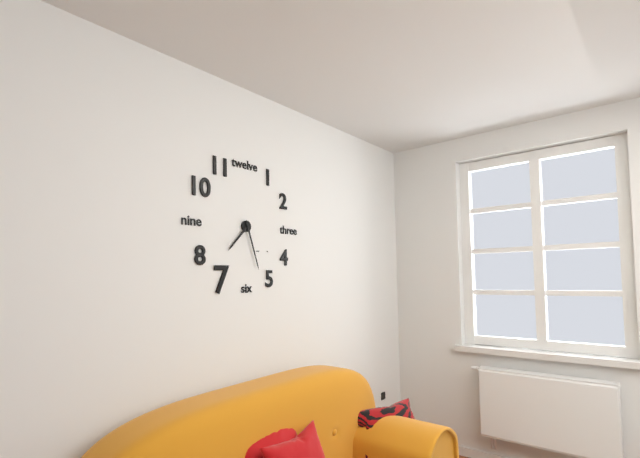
7:27
